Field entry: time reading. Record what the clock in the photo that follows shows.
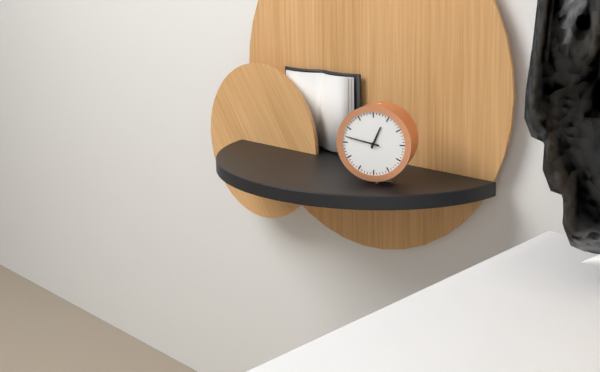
12:47
